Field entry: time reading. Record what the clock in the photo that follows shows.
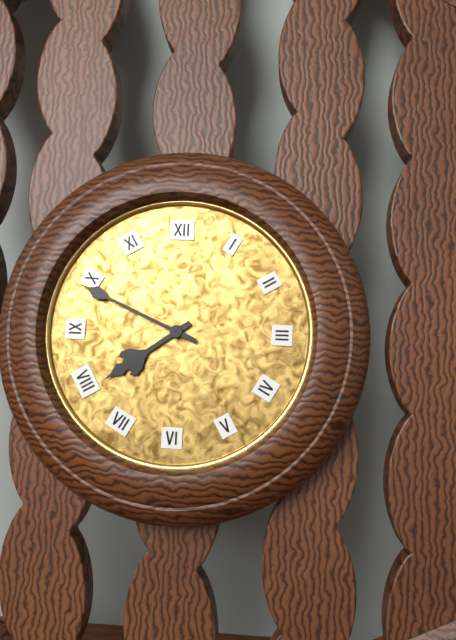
7:49
